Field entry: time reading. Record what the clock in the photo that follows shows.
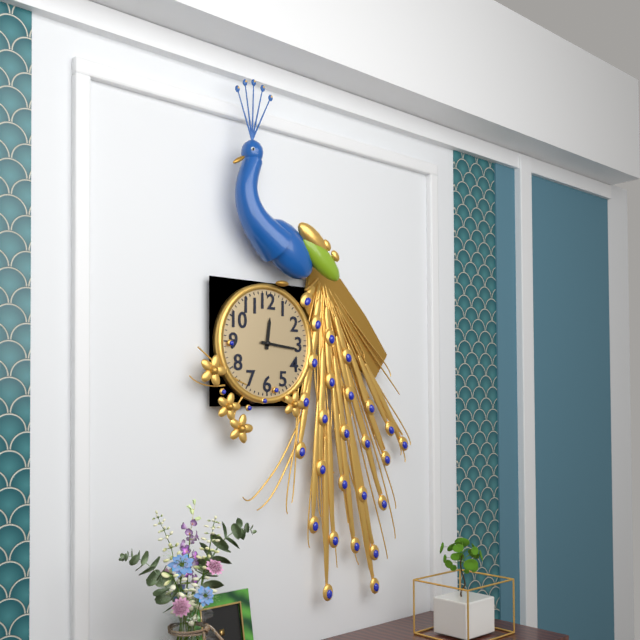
12:16
